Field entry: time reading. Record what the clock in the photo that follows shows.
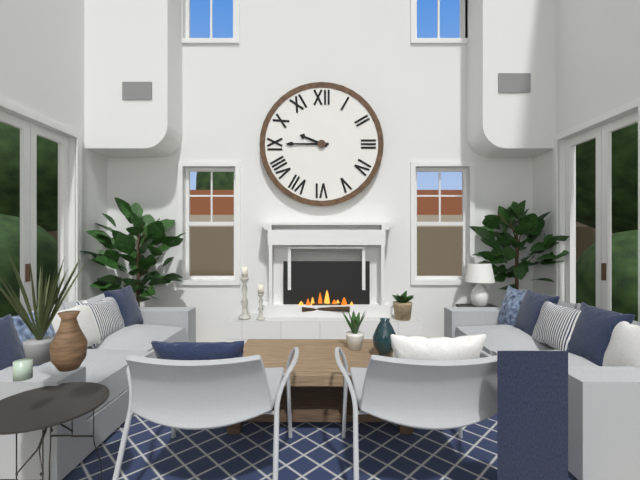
9:45
